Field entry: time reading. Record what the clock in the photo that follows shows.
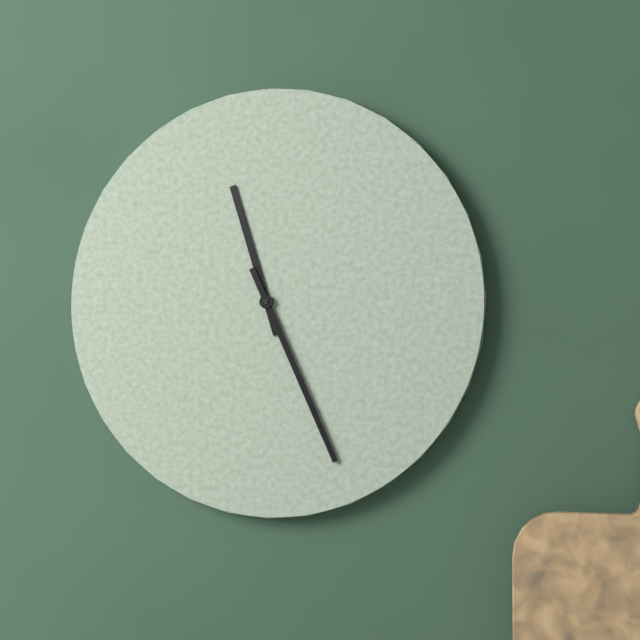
11:26
